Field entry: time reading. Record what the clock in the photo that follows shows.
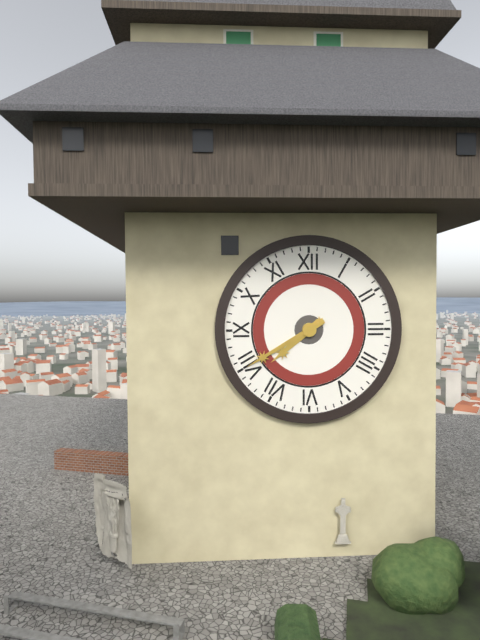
7:40
